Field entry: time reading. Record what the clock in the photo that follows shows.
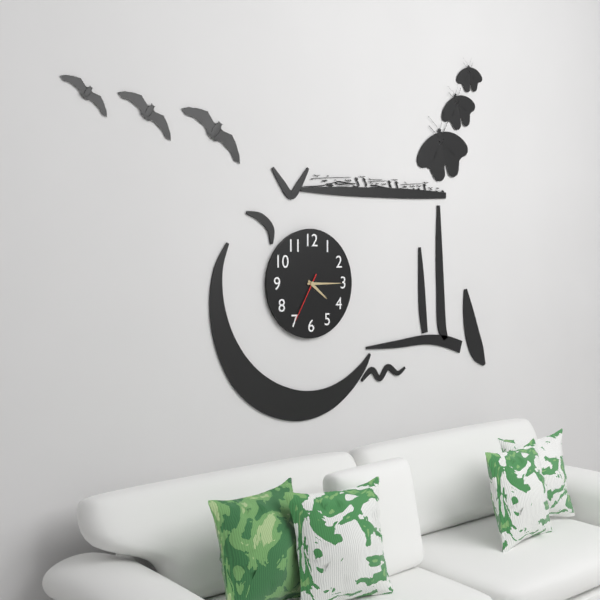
4:15:35
